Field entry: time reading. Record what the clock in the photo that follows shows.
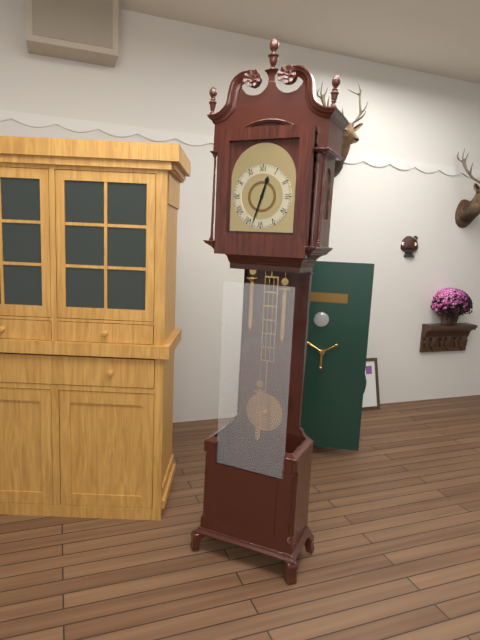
12:33
